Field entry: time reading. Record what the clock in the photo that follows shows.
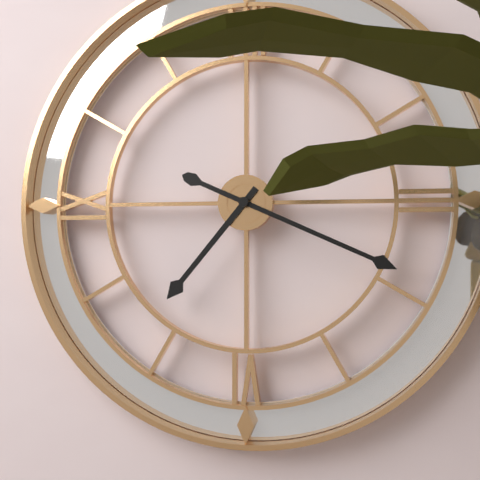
7:19
